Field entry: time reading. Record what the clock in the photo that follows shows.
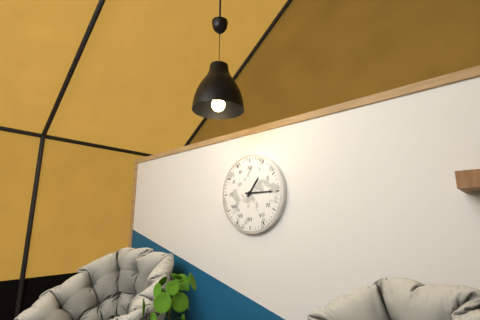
1:15
